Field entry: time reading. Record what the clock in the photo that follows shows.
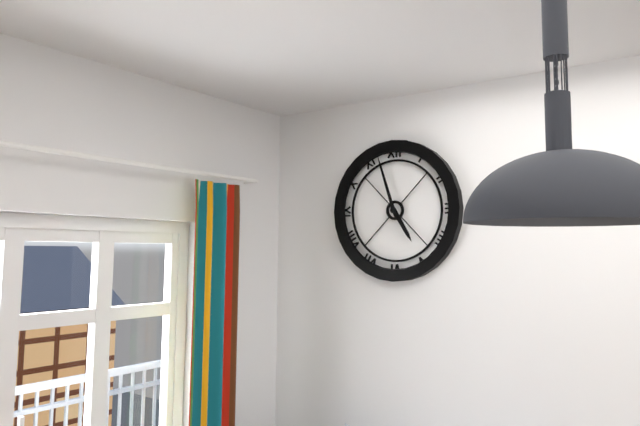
4:57
